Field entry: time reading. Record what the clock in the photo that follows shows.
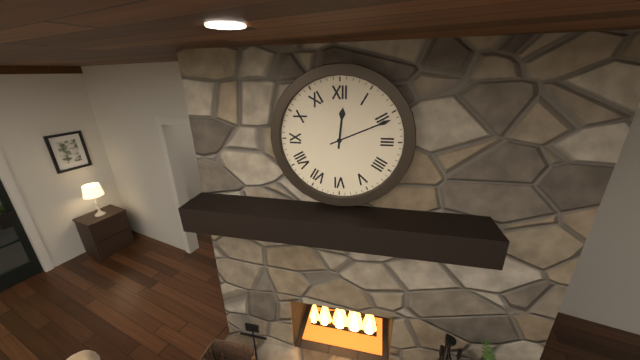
12:11
